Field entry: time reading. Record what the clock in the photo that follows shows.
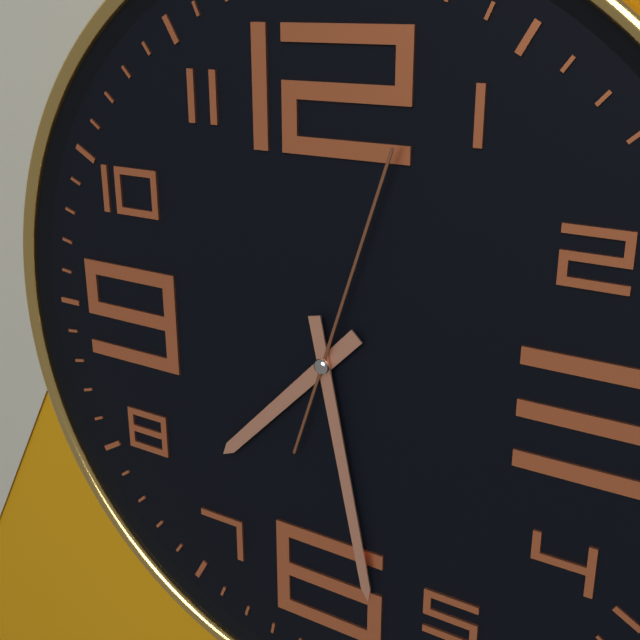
7:28:03
